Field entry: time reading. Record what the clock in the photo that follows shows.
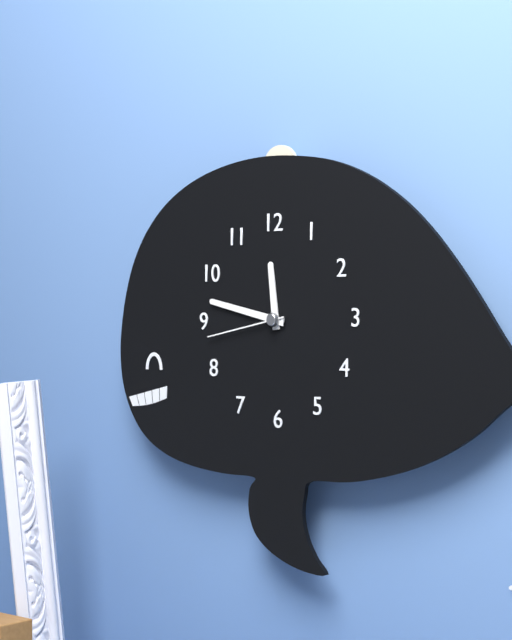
11:47:43
